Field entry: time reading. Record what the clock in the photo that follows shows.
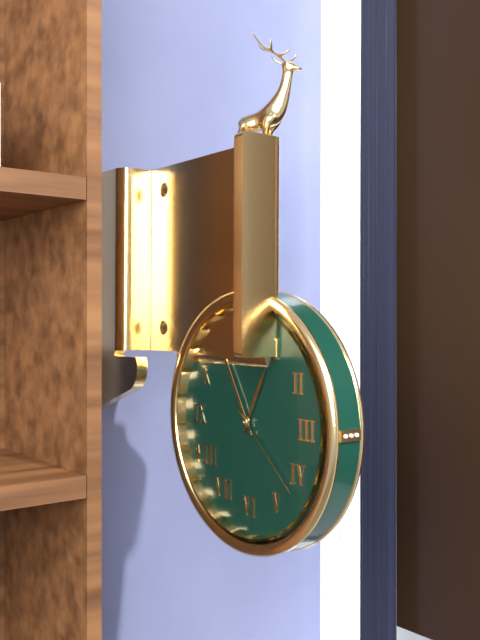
12:55:22
